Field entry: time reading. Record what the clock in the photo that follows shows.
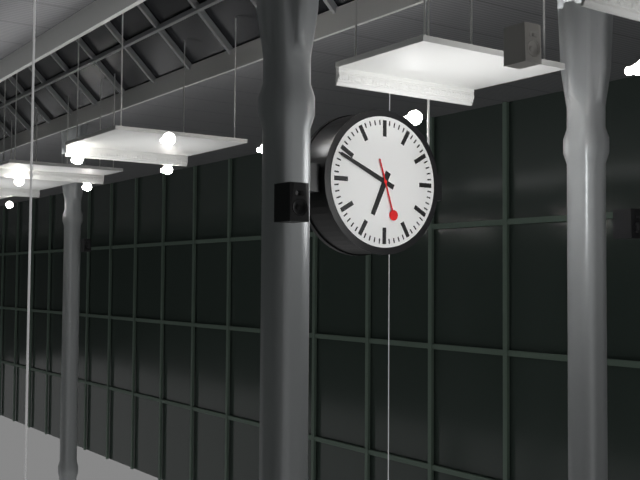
6:49:27
